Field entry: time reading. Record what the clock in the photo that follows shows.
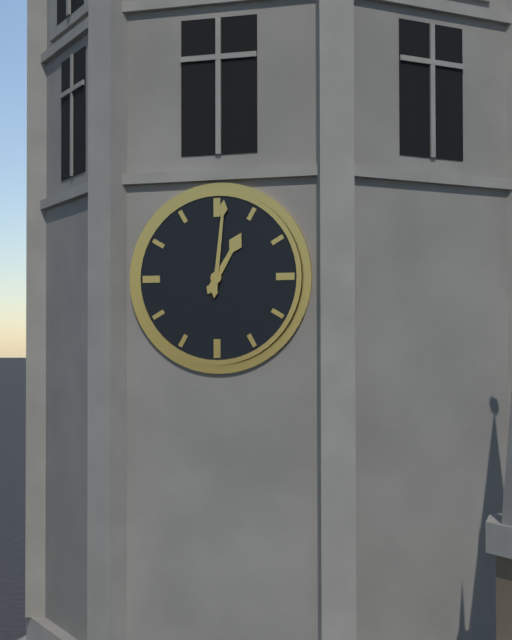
1:01
